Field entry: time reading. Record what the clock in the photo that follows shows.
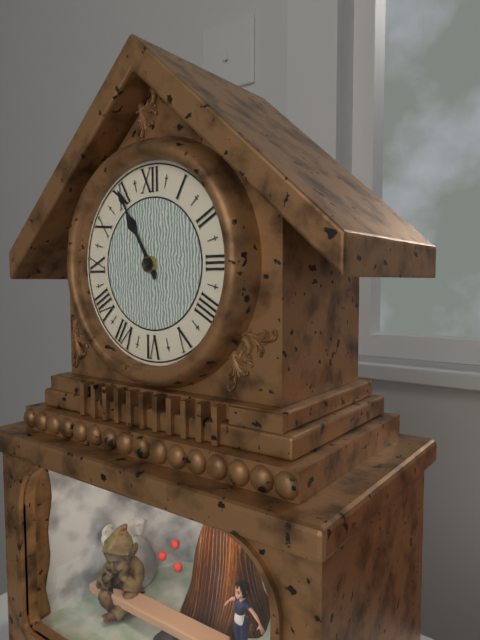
10:55
